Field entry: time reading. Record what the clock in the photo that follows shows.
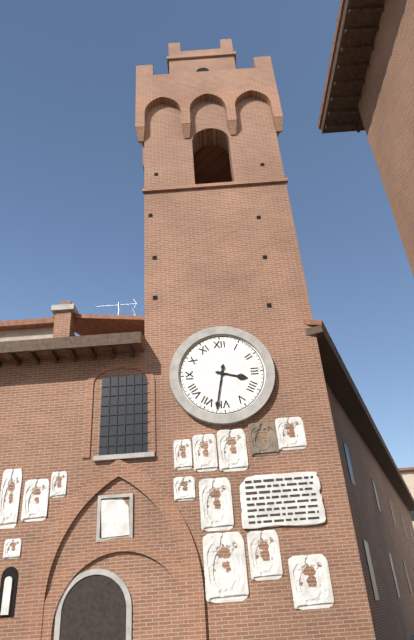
3:32
